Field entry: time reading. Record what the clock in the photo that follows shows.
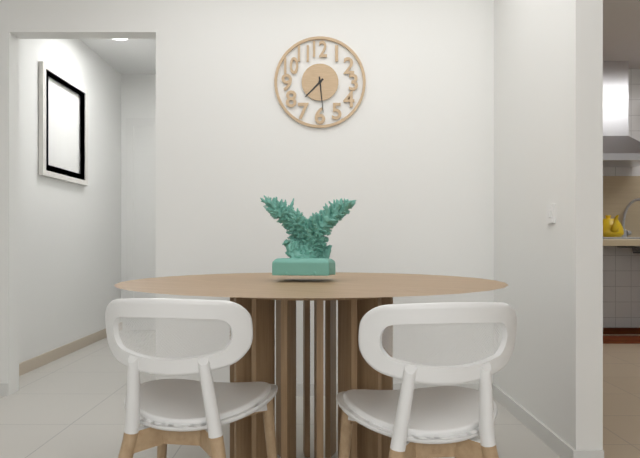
7:29
